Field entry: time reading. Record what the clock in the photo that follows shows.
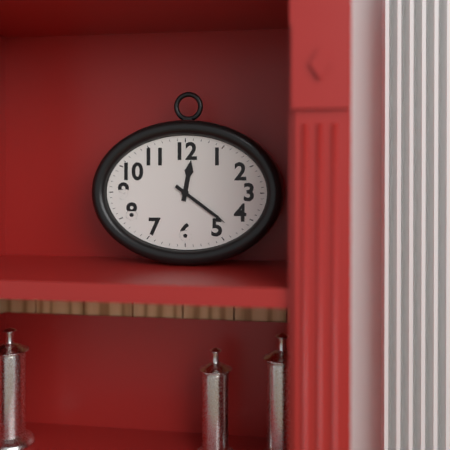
12:21
